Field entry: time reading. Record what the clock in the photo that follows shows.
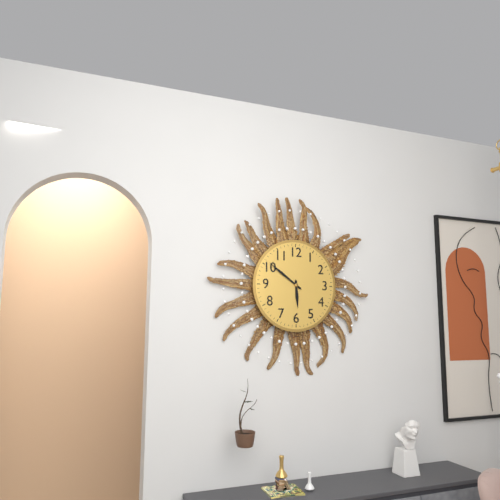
5:51
